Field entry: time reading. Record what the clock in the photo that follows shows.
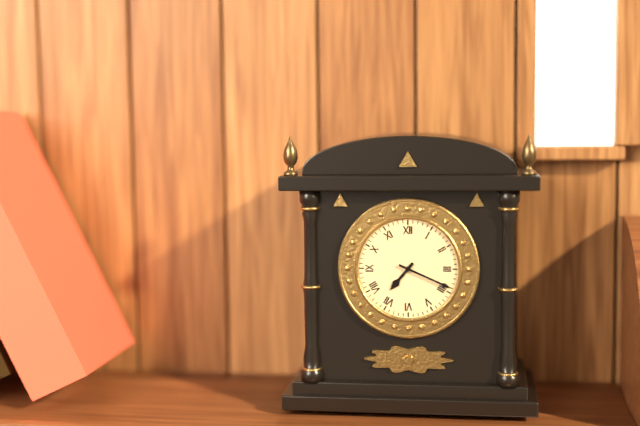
7:19
